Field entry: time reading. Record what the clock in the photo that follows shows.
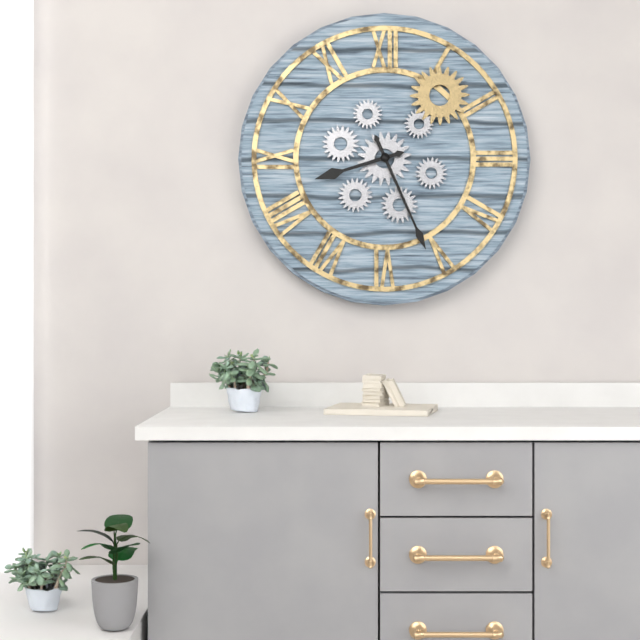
8:26
